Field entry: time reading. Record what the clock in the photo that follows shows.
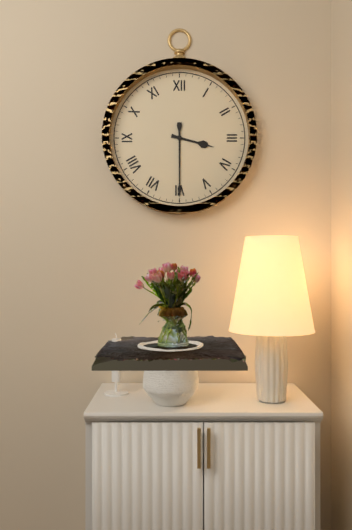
3:30
